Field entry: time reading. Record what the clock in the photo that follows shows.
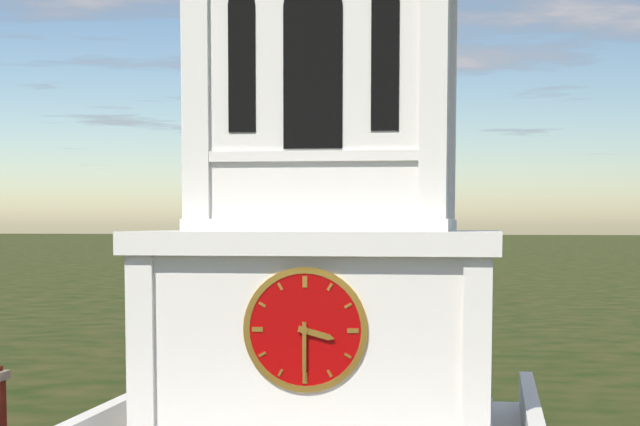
3:30
